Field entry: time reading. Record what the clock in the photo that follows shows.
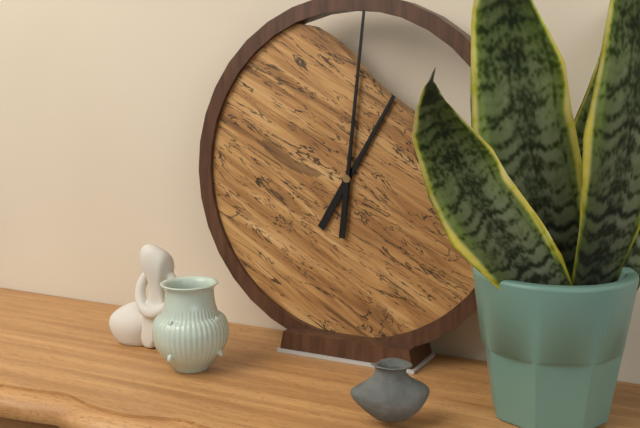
1:01
